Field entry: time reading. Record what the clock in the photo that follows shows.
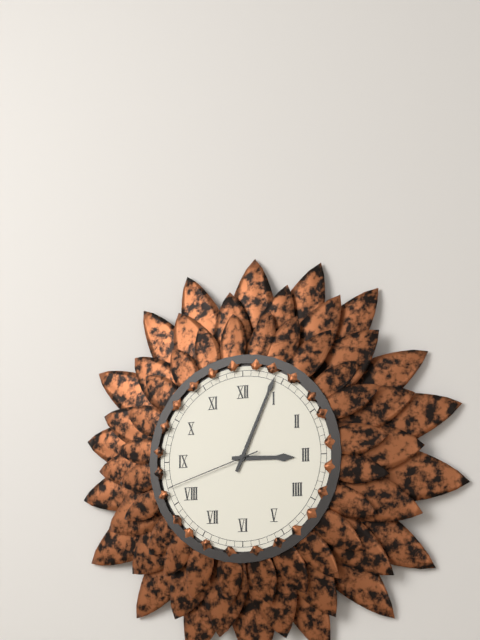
3:04:42
